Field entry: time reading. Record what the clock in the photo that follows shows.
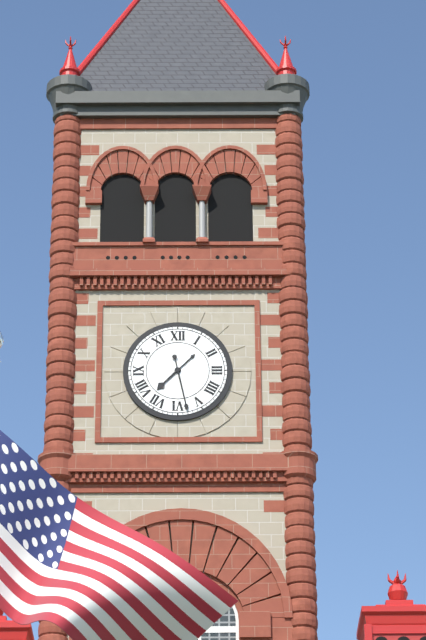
7:28
